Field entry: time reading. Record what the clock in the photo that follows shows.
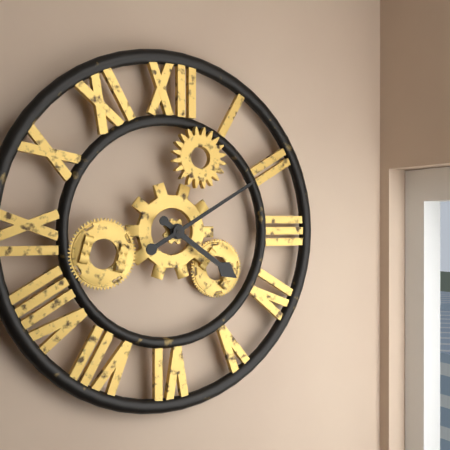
4:10
